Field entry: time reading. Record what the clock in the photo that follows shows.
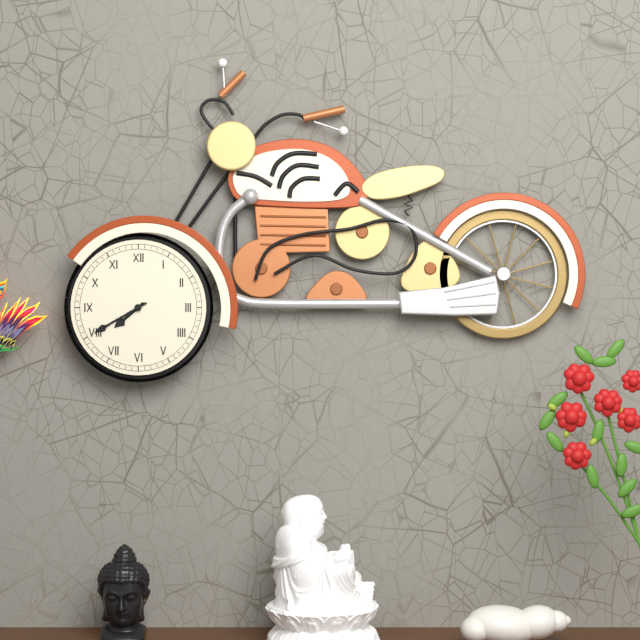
7:40
